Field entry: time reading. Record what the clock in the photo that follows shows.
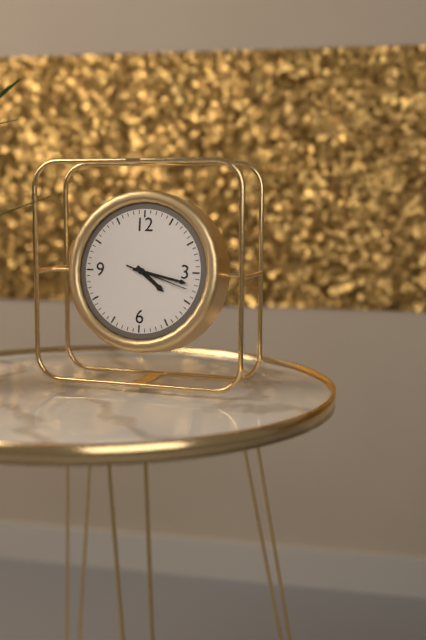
4:17:18
